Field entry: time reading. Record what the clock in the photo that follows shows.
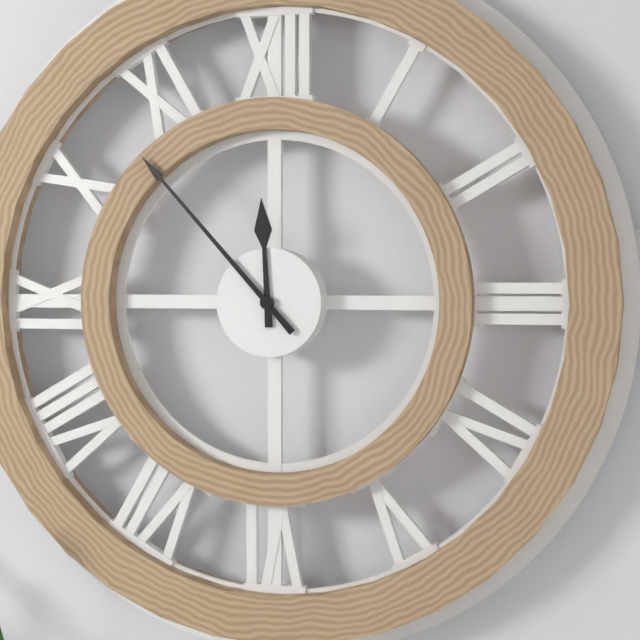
11:53
